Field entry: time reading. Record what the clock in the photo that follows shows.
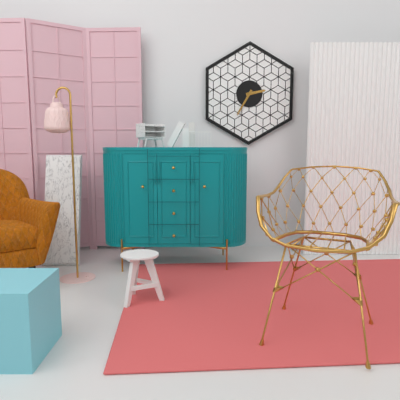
2:35
